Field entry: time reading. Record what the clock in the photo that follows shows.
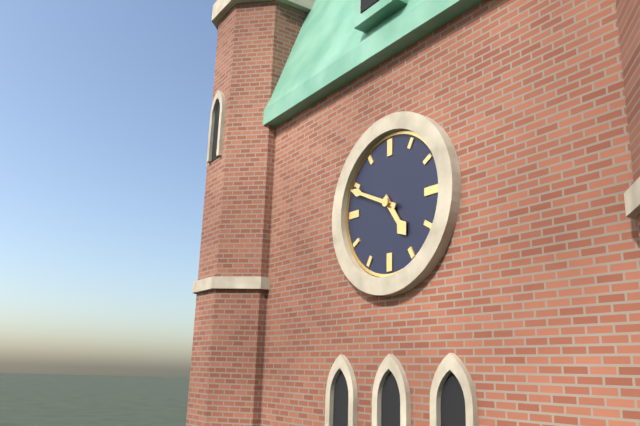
4:49
